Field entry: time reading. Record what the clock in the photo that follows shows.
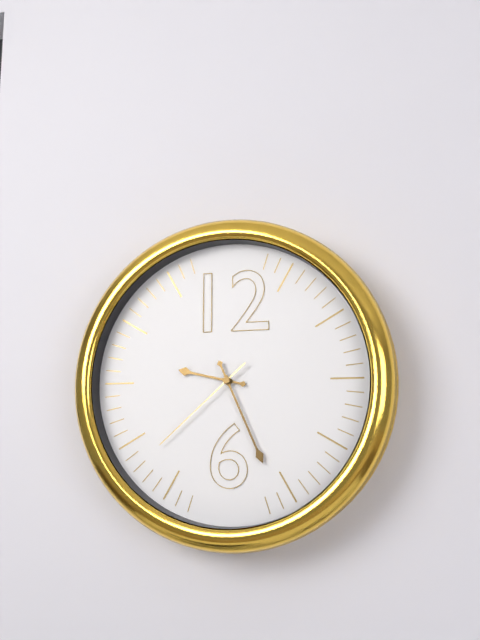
9:26:38
